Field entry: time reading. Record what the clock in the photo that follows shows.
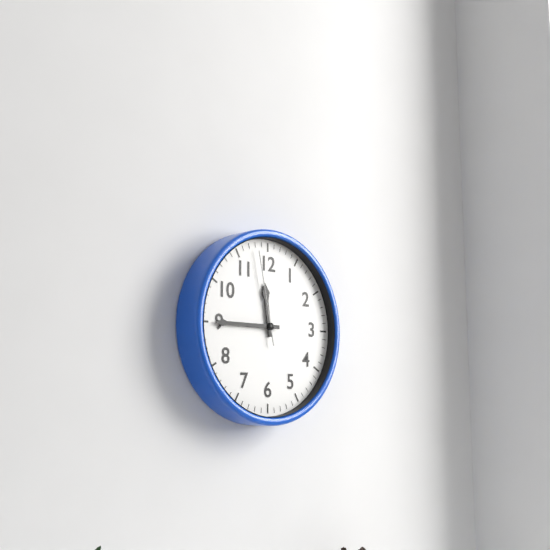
11:45:58
